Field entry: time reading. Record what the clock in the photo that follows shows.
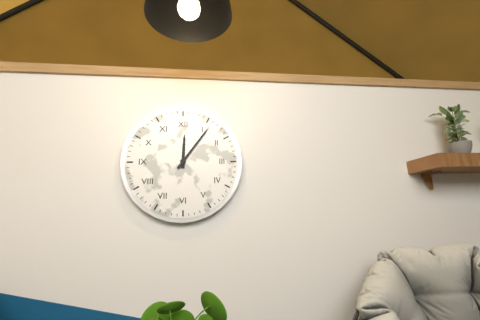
12:06
